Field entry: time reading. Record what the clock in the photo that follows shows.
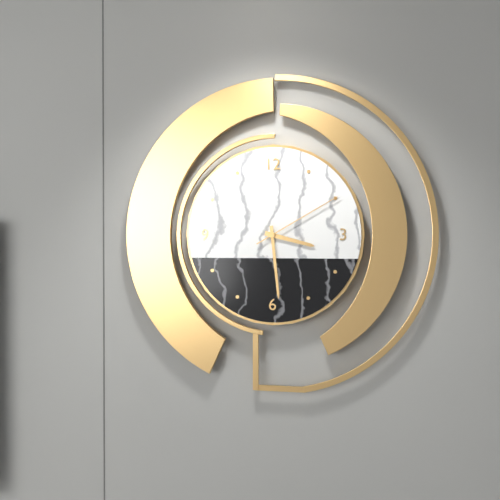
3:29:10
